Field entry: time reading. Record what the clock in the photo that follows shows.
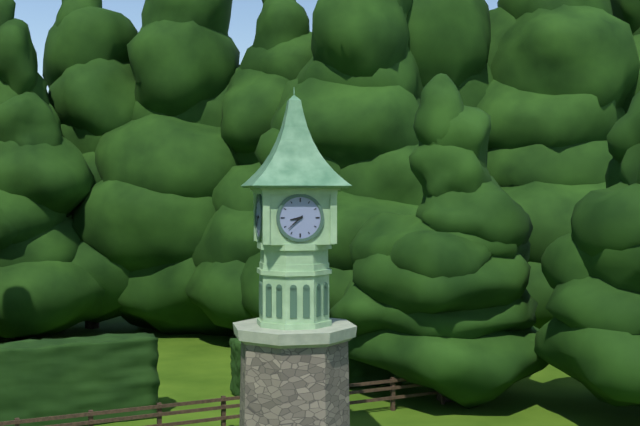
8:38
